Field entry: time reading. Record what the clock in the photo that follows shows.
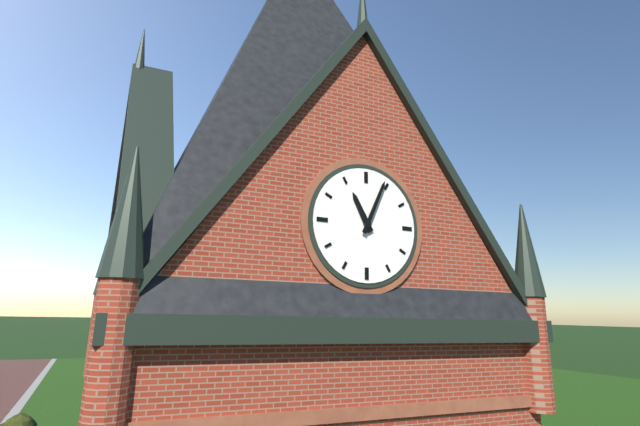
11:04
